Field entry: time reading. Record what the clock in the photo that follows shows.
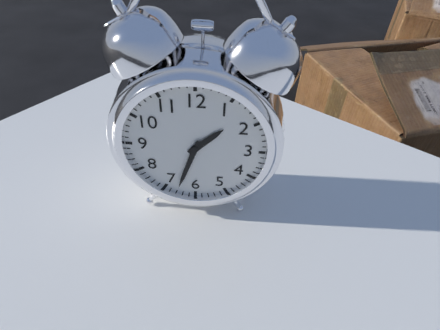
1:33
